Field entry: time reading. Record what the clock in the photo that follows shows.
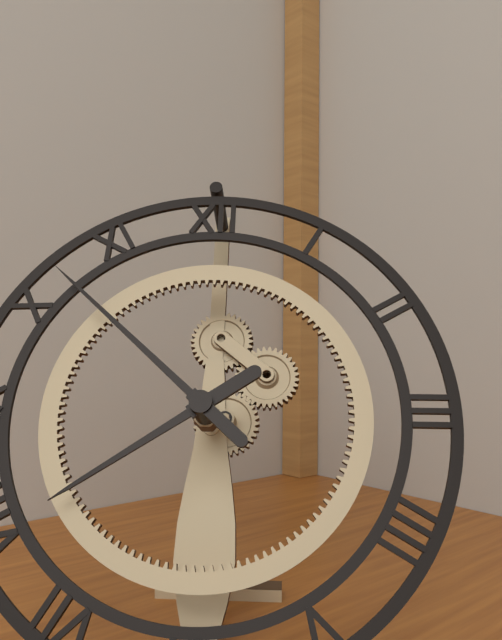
7:52
